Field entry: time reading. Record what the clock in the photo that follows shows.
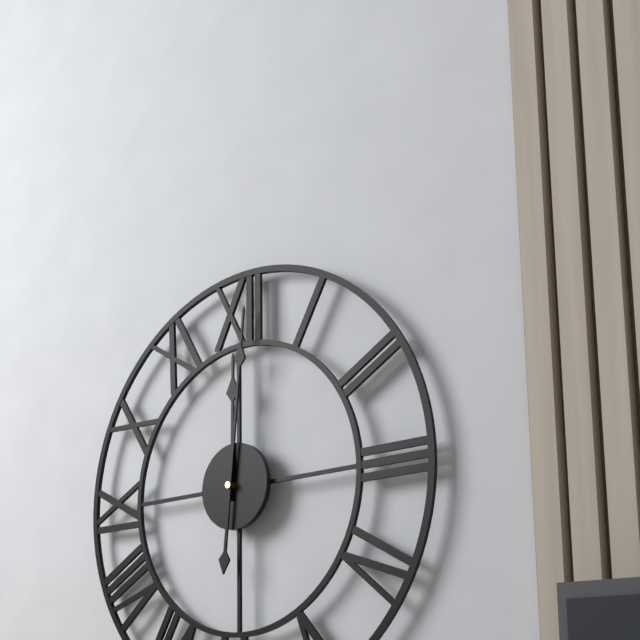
12:01
